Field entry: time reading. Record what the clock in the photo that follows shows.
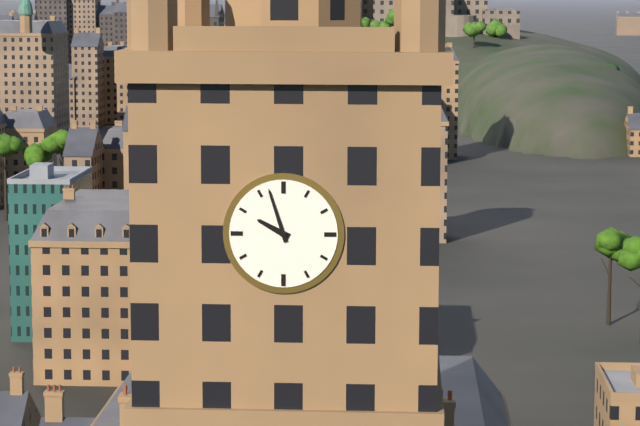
9:57
